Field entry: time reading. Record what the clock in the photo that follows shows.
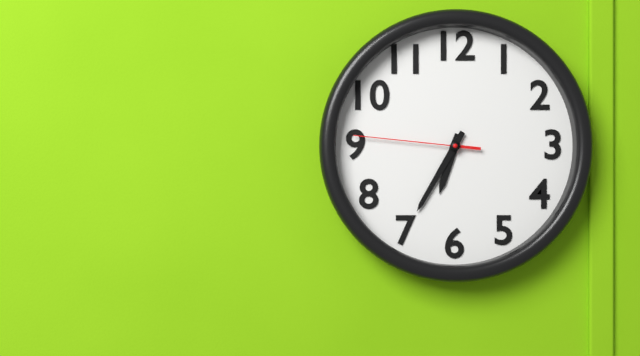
6:35:46
